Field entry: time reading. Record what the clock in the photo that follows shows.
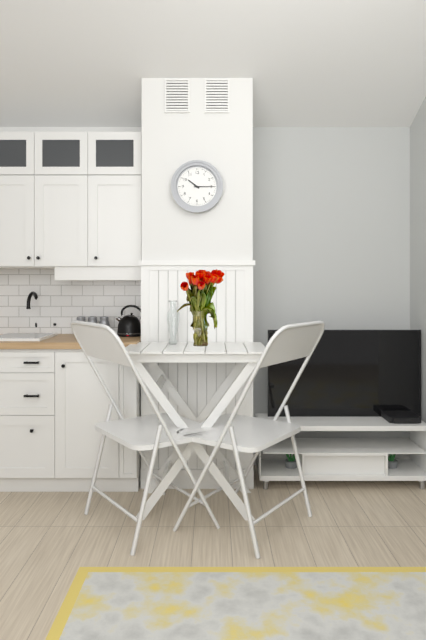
10:15
